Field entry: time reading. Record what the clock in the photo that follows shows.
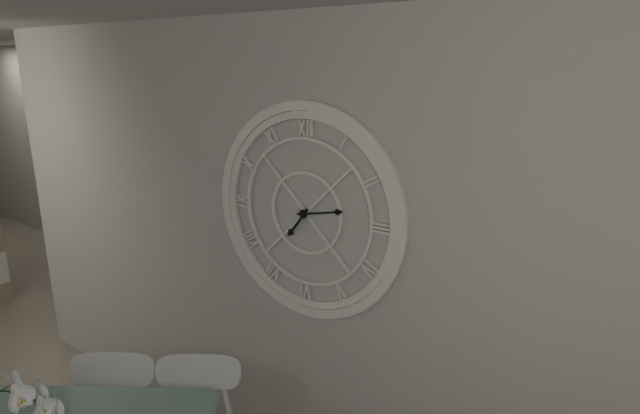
7:13
